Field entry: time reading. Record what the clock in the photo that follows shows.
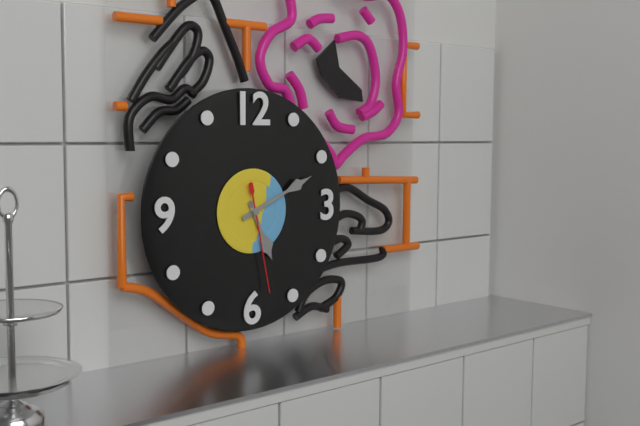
5:11:28
